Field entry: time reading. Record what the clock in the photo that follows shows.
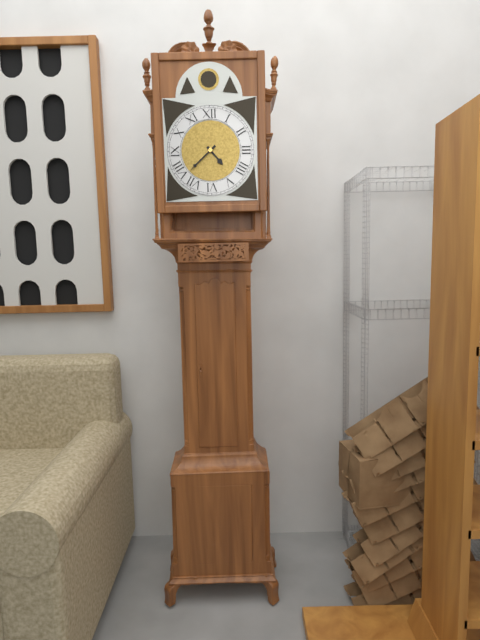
4:38
